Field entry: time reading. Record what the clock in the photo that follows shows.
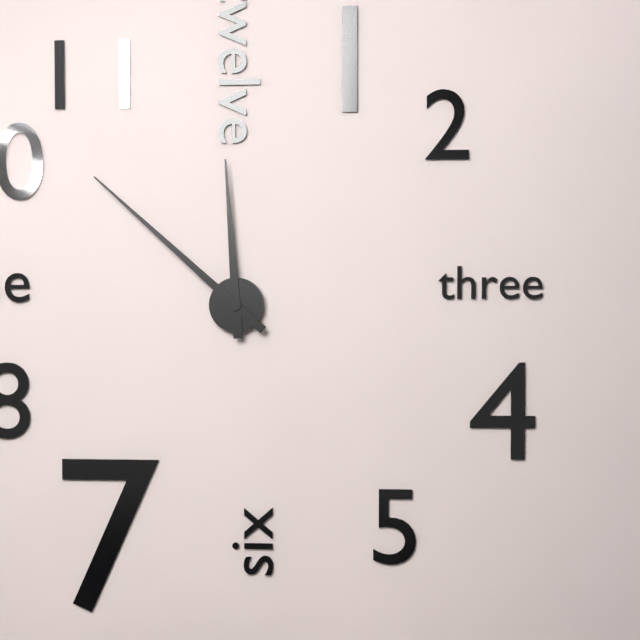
11:52
